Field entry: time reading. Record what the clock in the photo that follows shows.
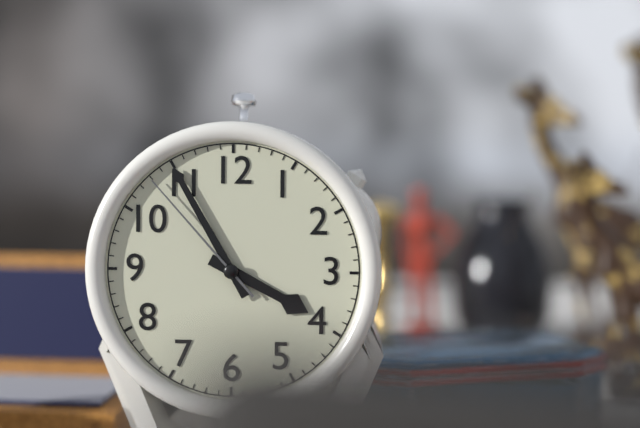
3:55:53
